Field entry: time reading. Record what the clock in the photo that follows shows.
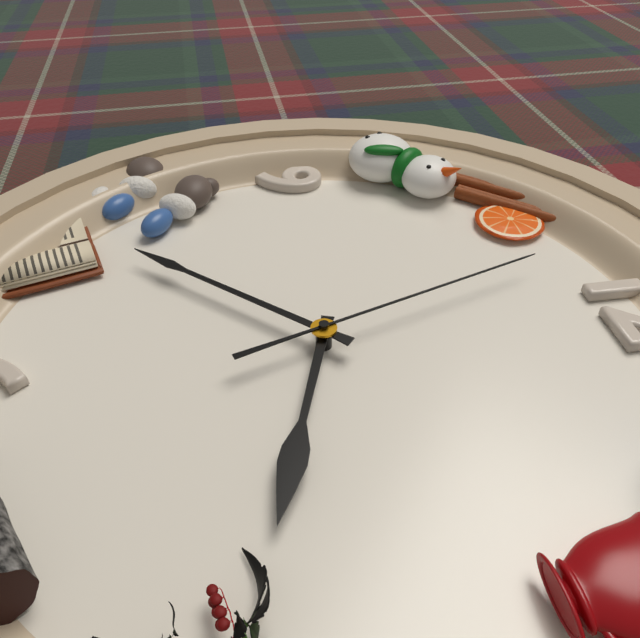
3:37:57
